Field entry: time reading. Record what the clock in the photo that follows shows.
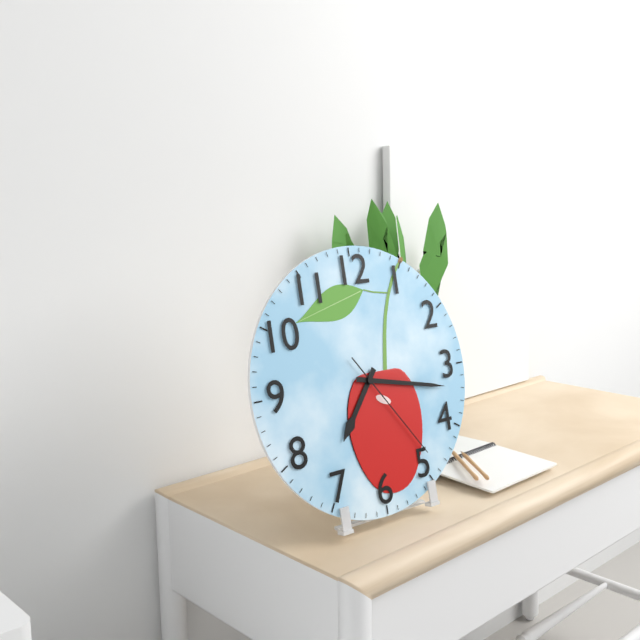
7:17:24
